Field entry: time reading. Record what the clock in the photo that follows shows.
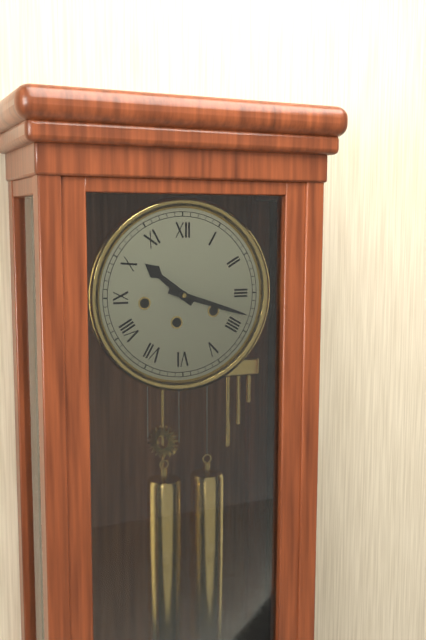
10:18
